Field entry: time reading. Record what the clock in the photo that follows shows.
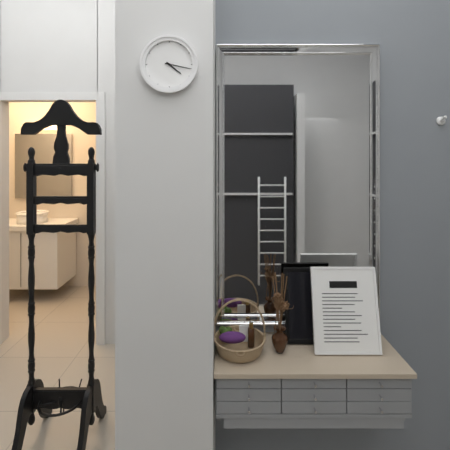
4:17
